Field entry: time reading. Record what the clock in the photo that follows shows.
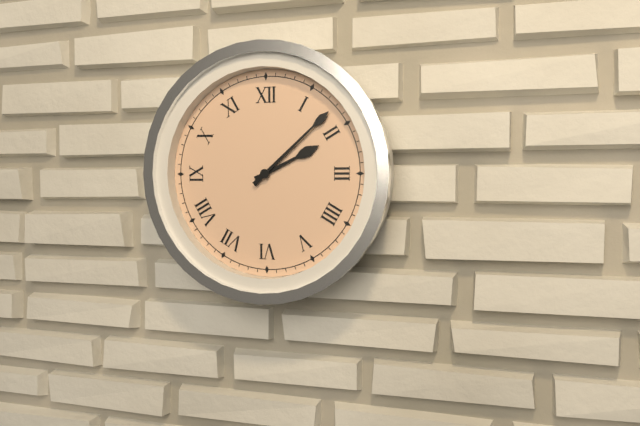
2:08
